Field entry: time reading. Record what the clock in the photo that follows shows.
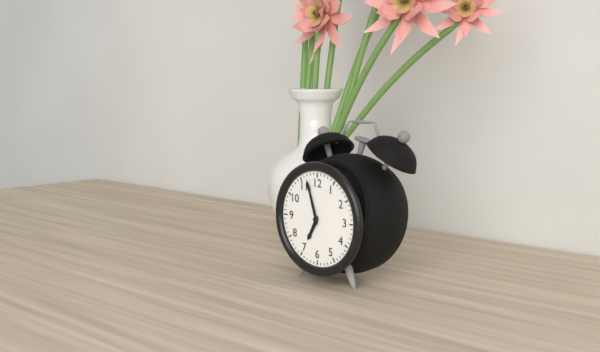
6:57
